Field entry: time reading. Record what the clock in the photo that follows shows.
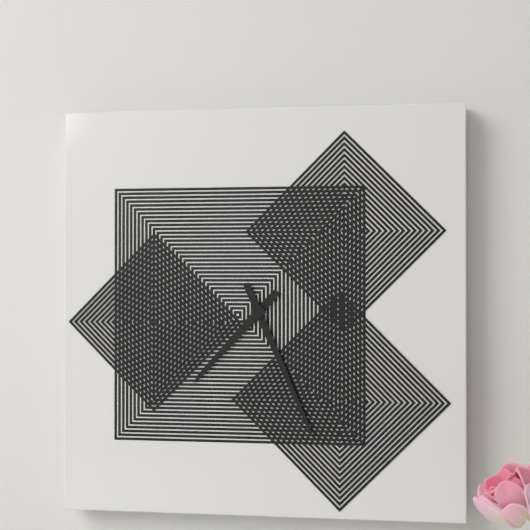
7:26
